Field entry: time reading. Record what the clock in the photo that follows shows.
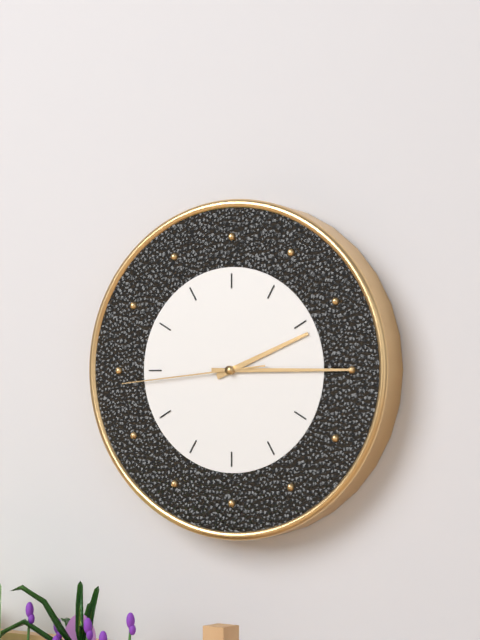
2:15:44
